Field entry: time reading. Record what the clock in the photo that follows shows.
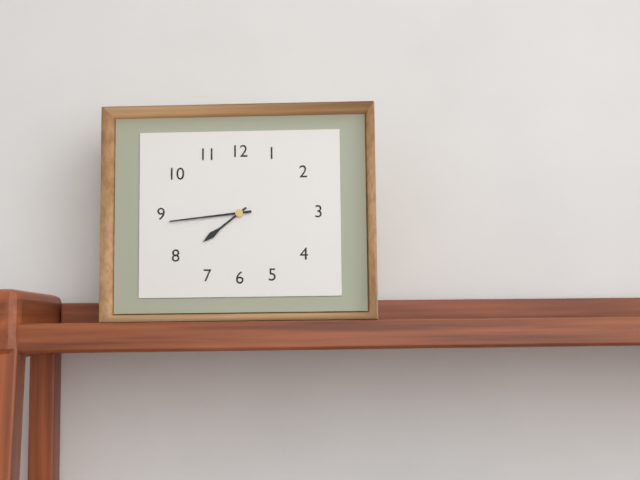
7:44
